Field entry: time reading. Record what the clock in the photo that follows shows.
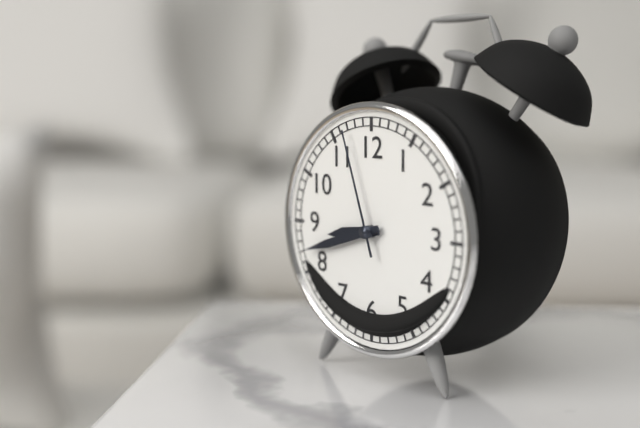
8:42:57
